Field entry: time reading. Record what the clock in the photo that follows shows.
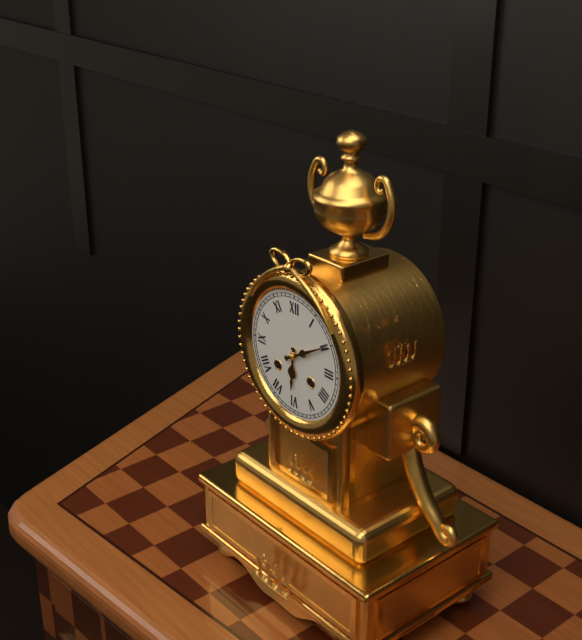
6:10
